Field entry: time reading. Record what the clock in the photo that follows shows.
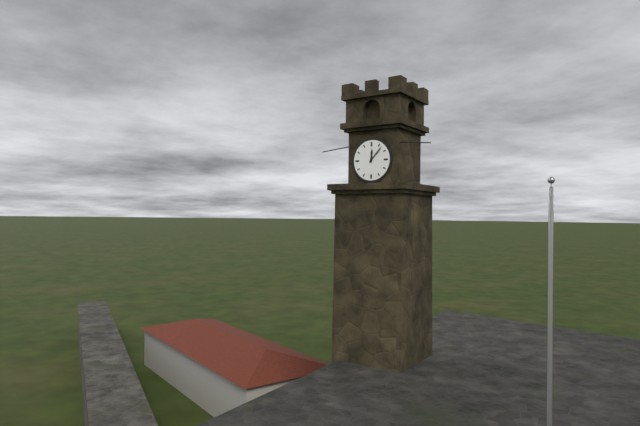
12:07
